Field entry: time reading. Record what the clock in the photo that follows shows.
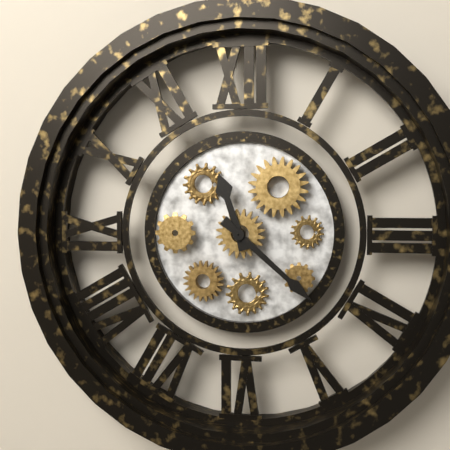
11:22
